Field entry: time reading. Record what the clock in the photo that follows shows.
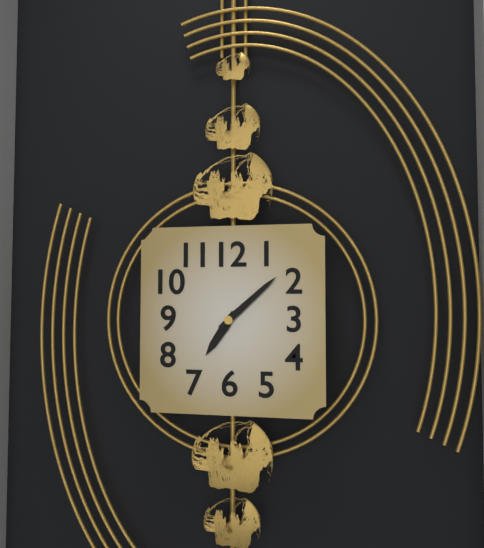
7:08
